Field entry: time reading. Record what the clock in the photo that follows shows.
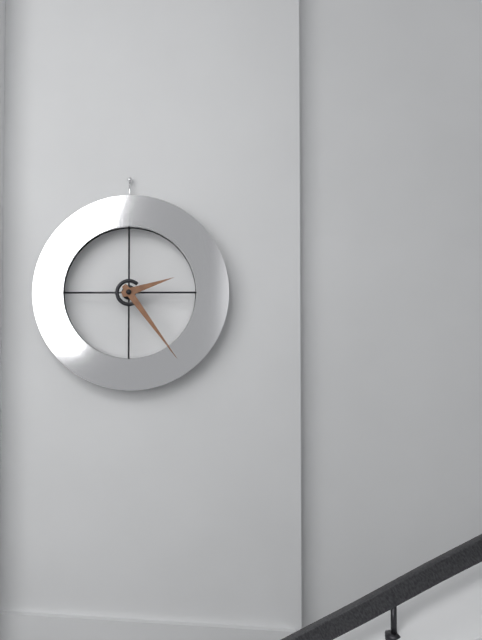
2:24
